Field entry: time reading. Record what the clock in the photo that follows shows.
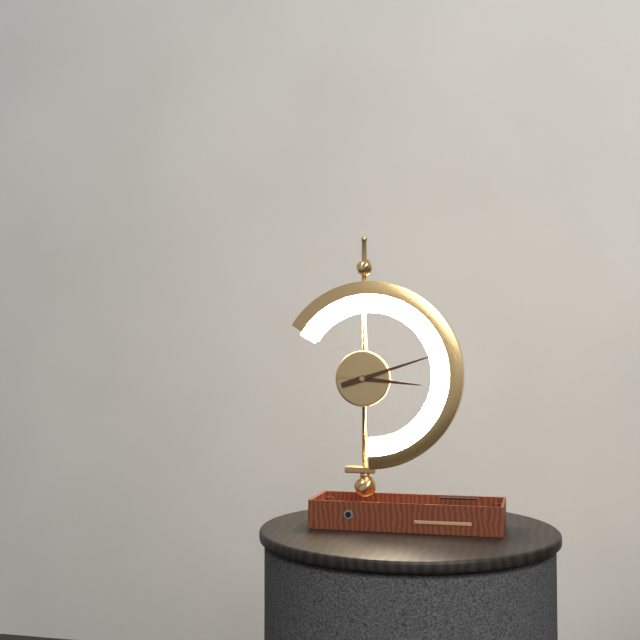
3:12
